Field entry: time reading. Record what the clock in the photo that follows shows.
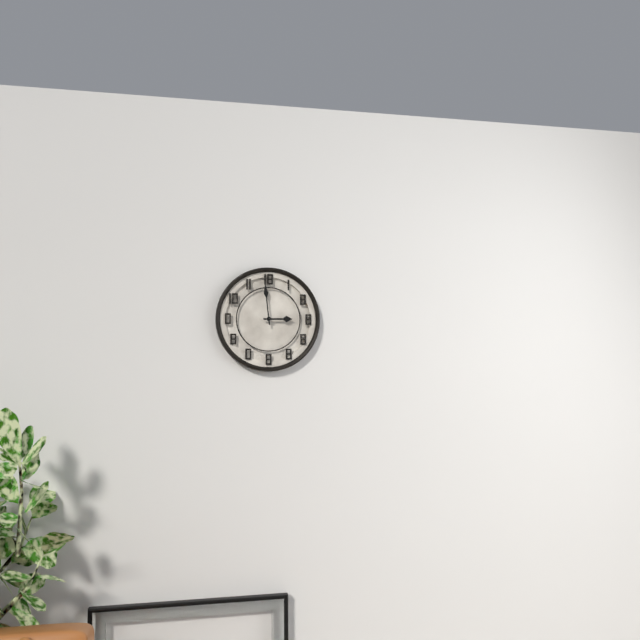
2:59
